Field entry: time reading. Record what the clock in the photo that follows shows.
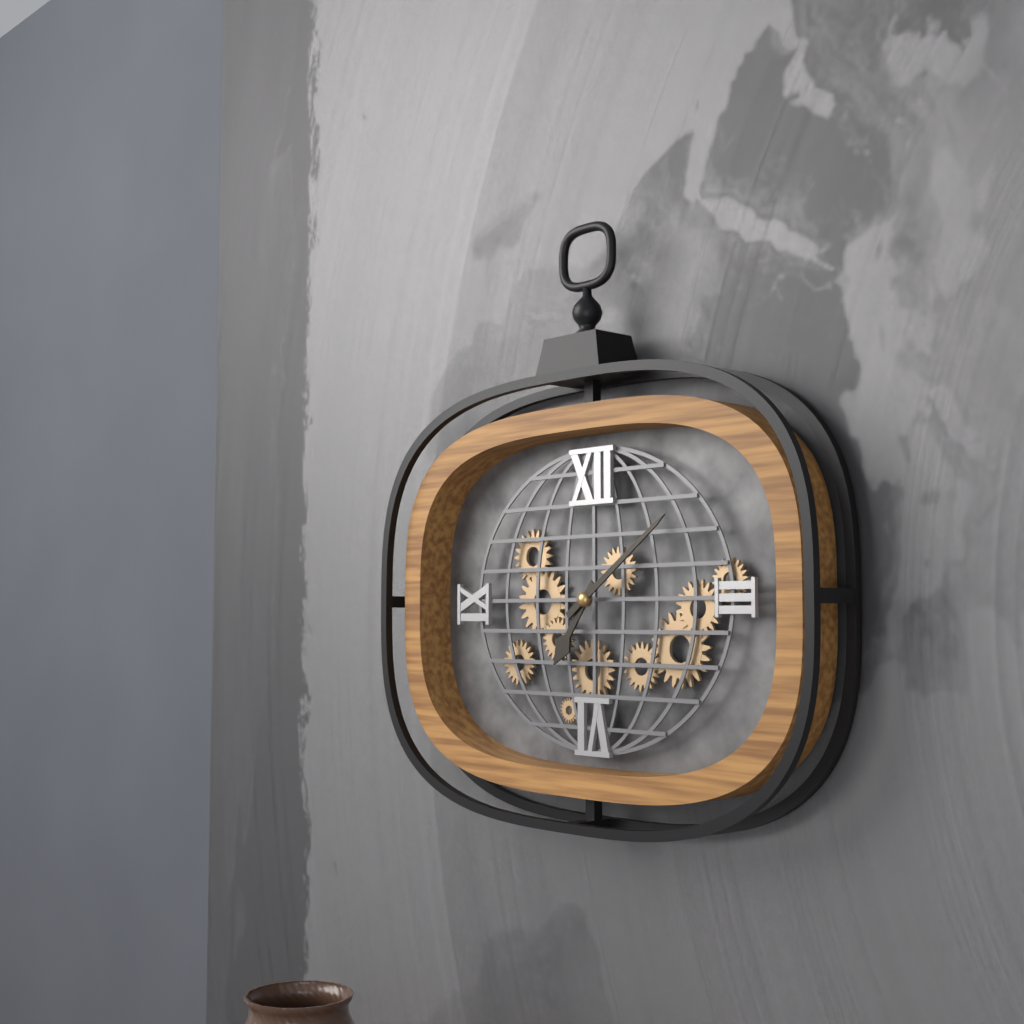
7:09
